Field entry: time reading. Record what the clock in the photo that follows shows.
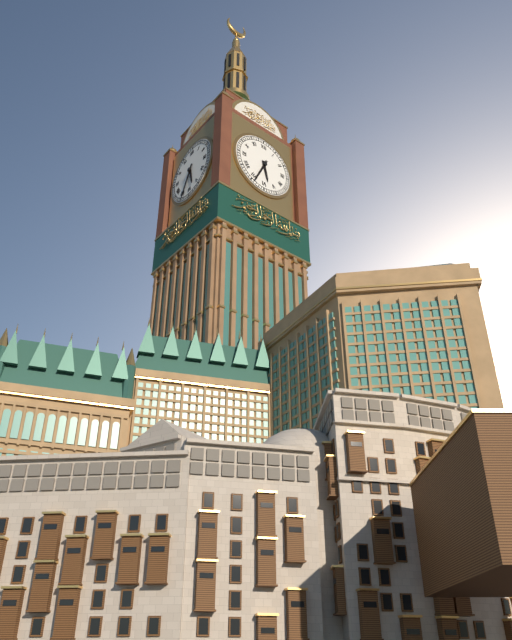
5:34
